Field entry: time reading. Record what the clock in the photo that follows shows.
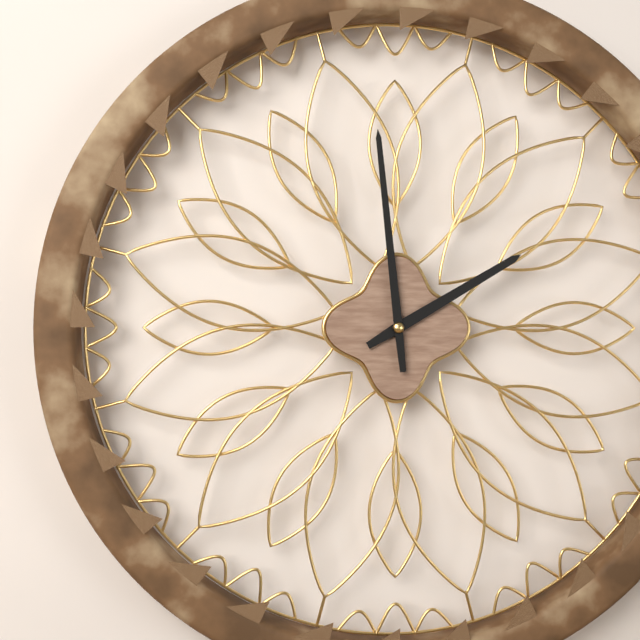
1:59
